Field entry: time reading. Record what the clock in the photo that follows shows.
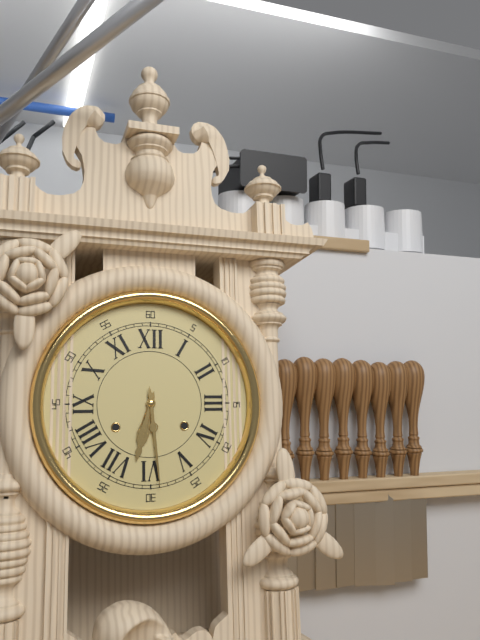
6:29
